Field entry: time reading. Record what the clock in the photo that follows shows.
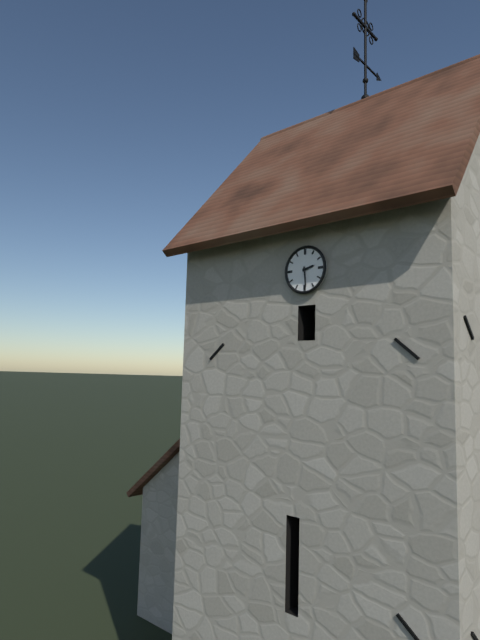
2:29
